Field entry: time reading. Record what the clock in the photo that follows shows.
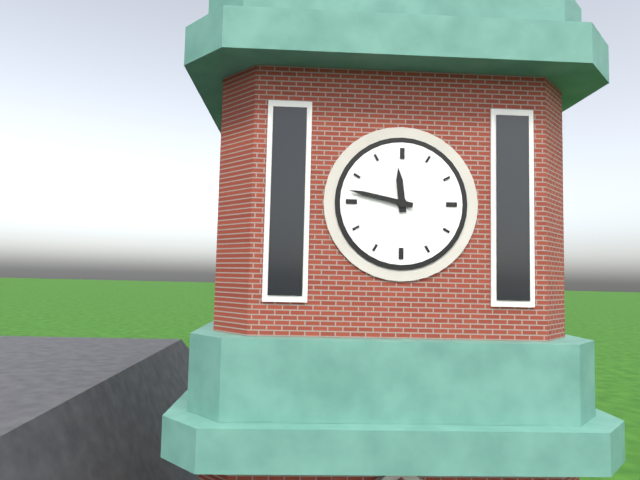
11:47
